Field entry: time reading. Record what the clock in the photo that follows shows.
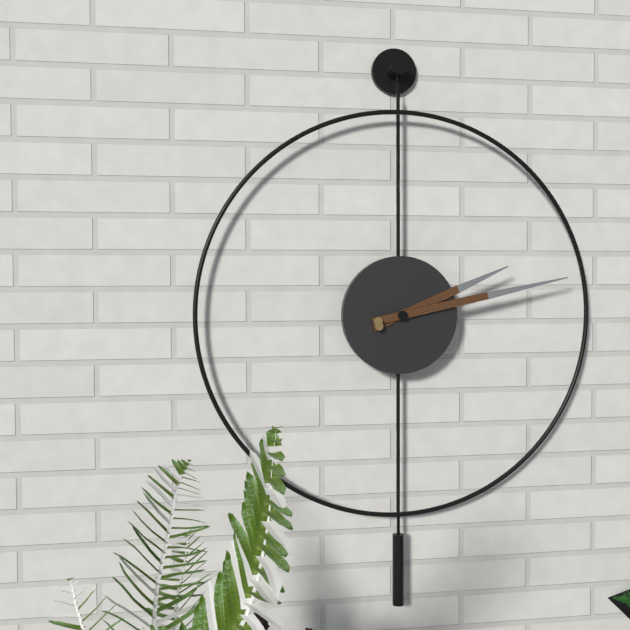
2:13
